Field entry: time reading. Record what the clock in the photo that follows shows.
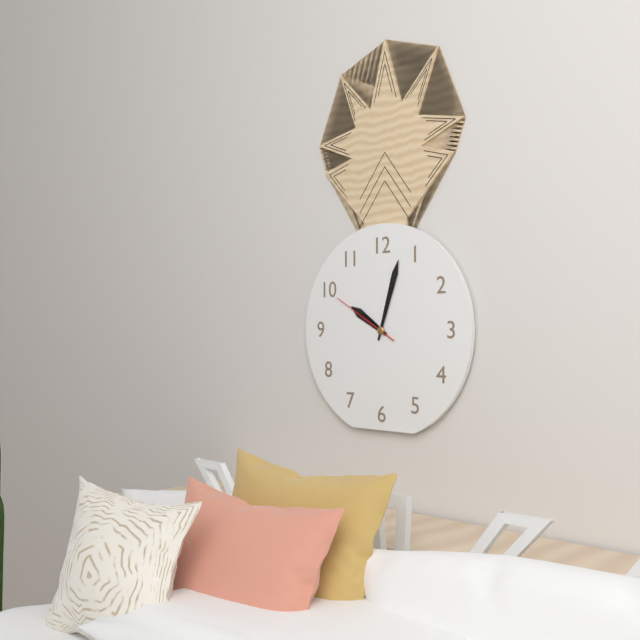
10:03:50
